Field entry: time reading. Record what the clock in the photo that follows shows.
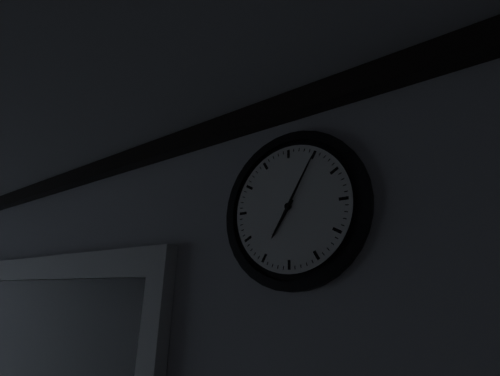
7:05
